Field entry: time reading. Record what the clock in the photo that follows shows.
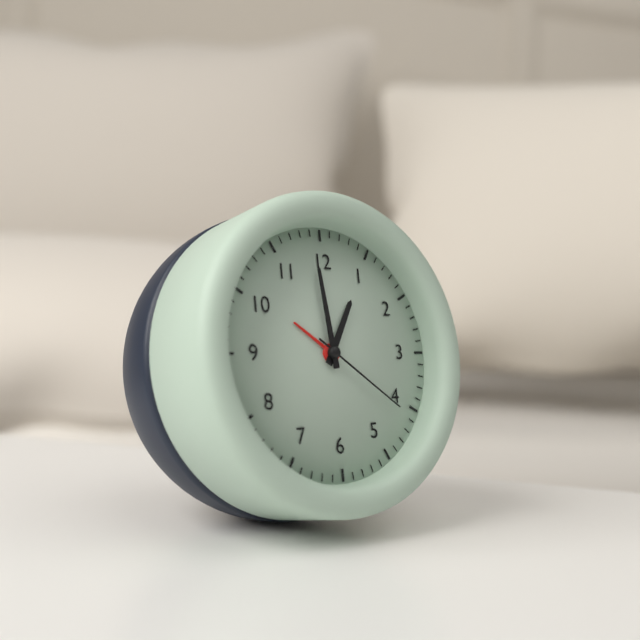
12:59:21
